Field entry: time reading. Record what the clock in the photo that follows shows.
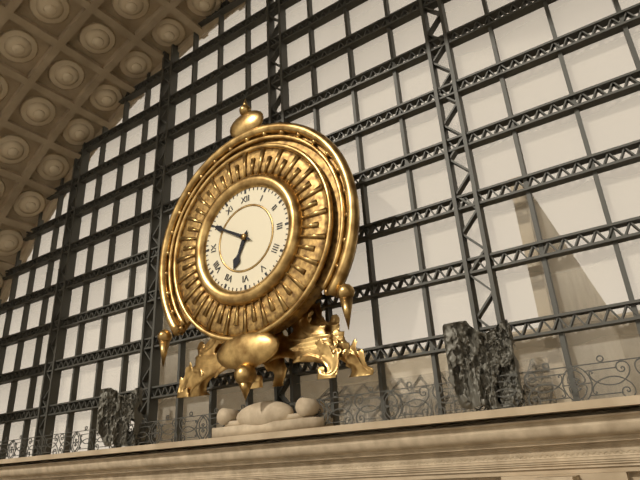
6:50
